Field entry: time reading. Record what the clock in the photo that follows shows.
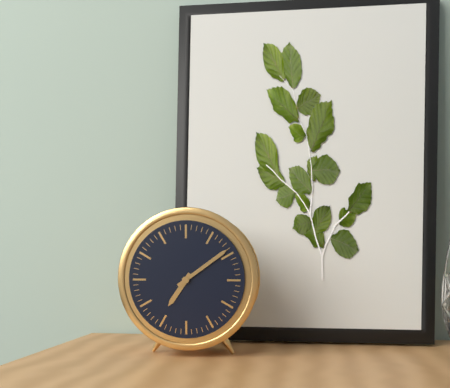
7:09
